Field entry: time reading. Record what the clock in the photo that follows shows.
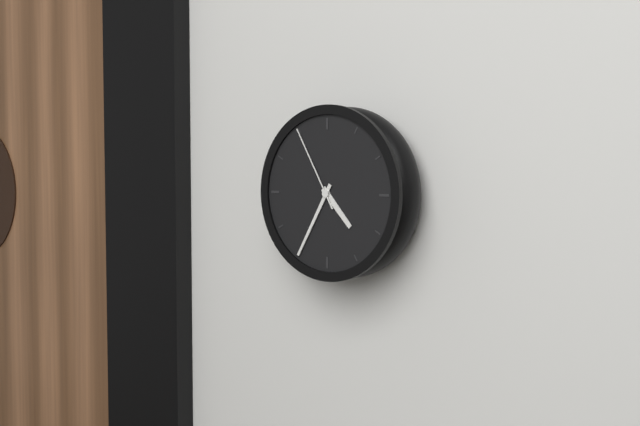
4:35:55
